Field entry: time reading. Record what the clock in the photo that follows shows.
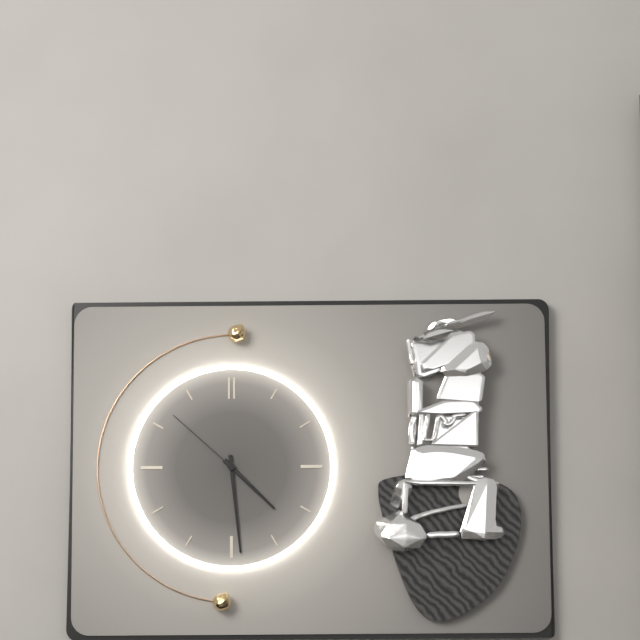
4:29:52
